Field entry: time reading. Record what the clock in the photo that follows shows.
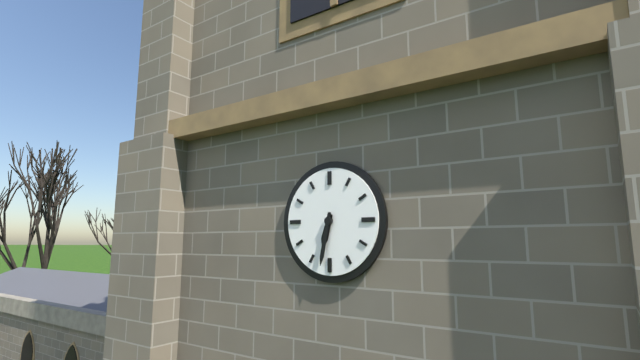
6:32
